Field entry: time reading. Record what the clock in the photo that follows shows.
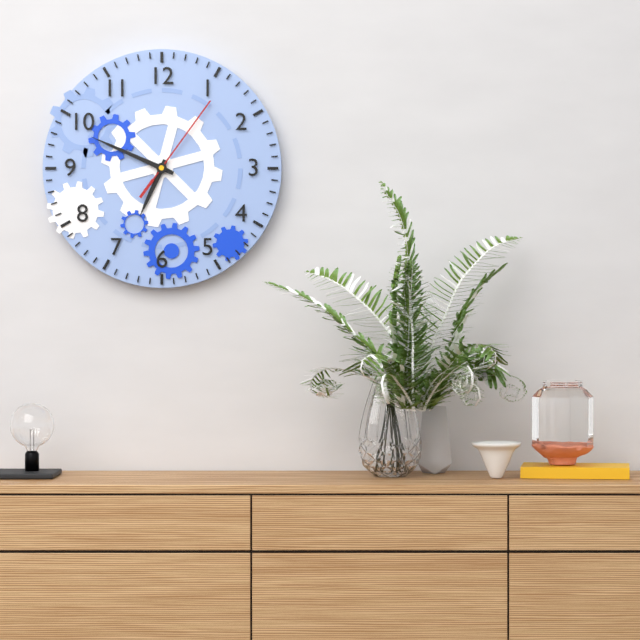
6:49:06
